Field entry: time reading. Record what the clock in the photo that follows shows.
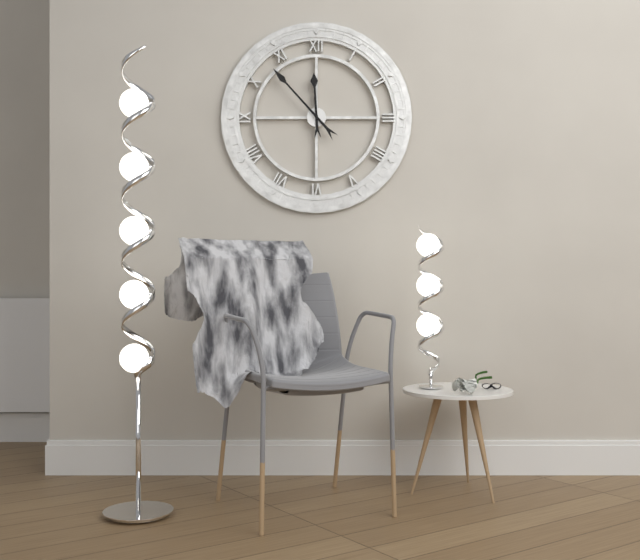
11:53
